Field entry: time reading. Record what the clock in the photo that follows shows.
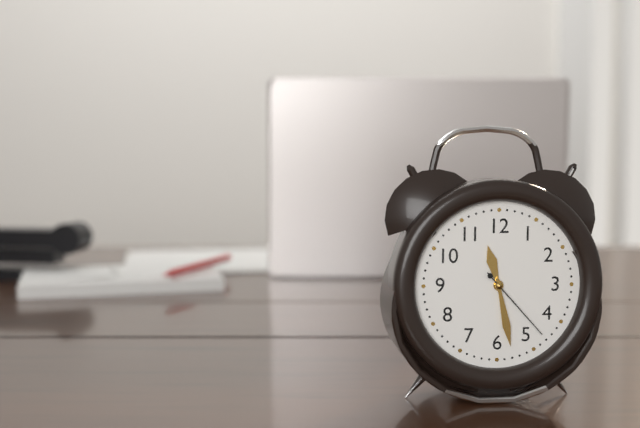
11:28:23
